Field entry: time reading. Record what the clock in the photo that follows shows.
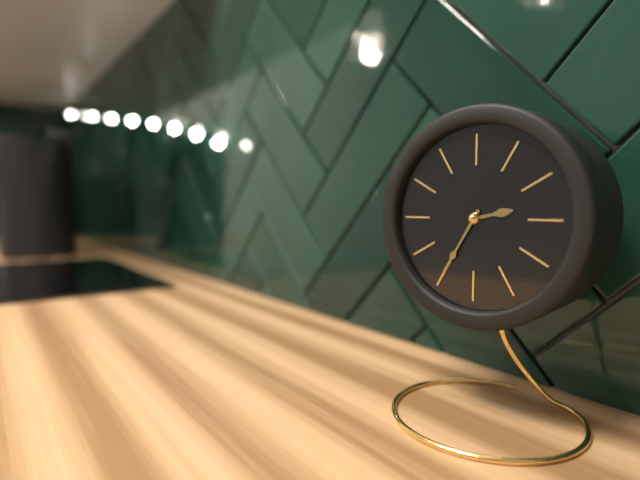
2:35
